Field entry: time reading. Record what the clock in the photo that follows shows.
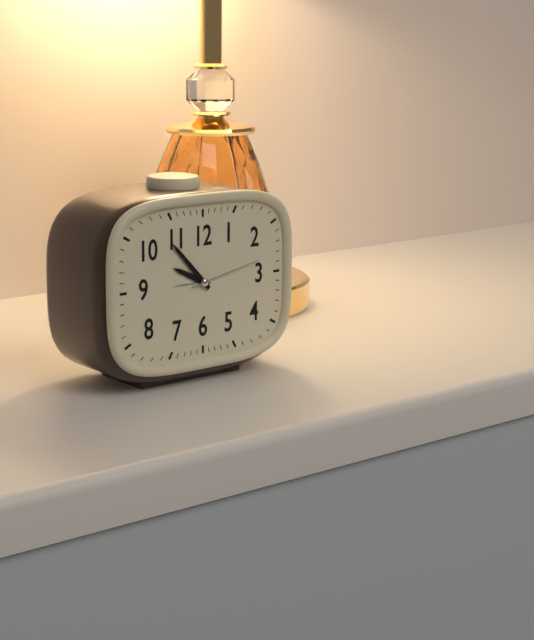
9:53:13
